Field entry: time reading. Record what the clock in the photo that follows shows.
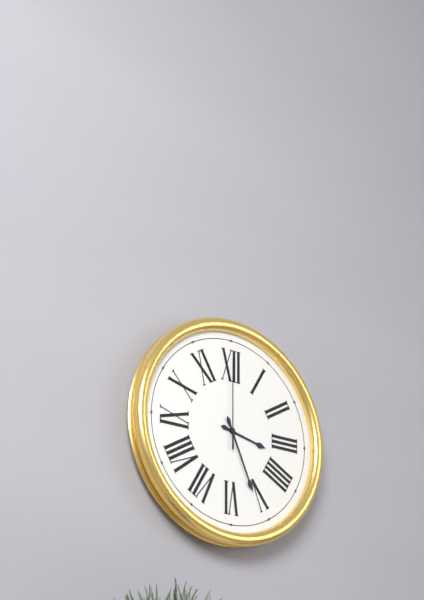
3:26:00
